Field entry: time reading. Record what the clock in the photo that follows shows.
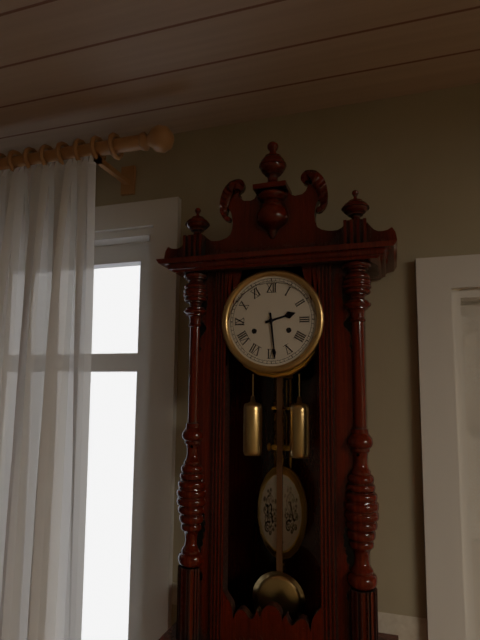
2:29
